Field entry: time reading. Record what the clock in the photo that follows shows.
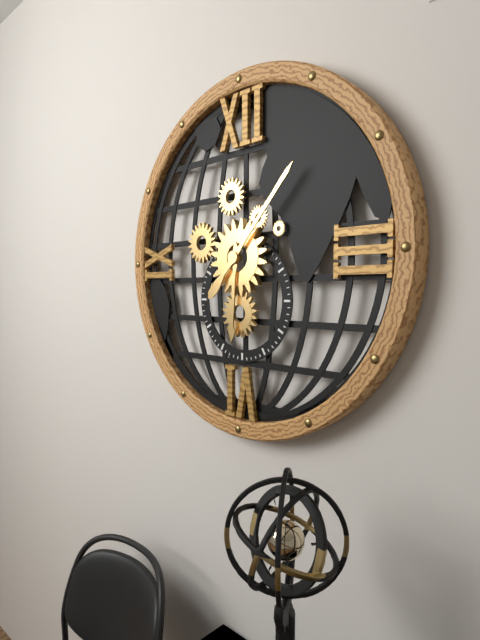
6:07
